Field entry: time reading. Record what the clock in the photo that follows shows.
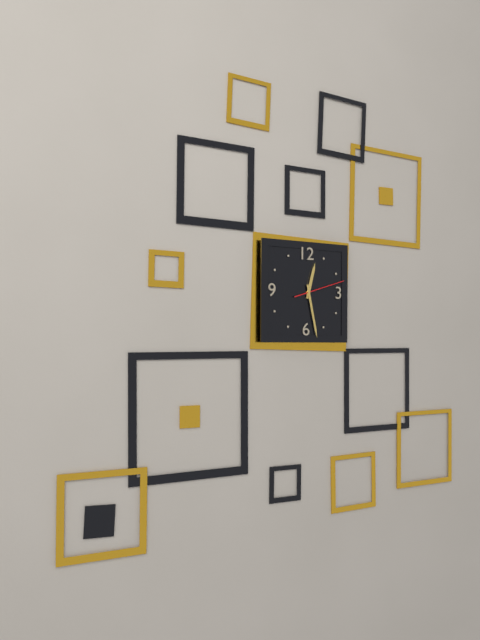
12:28:12
